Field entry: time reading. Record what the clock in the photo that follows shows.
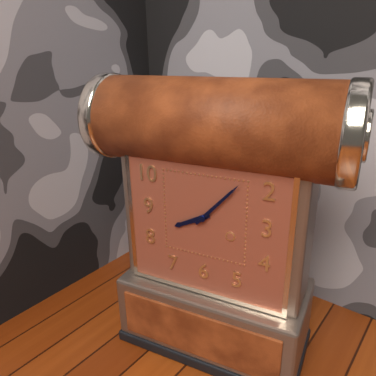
8:07
